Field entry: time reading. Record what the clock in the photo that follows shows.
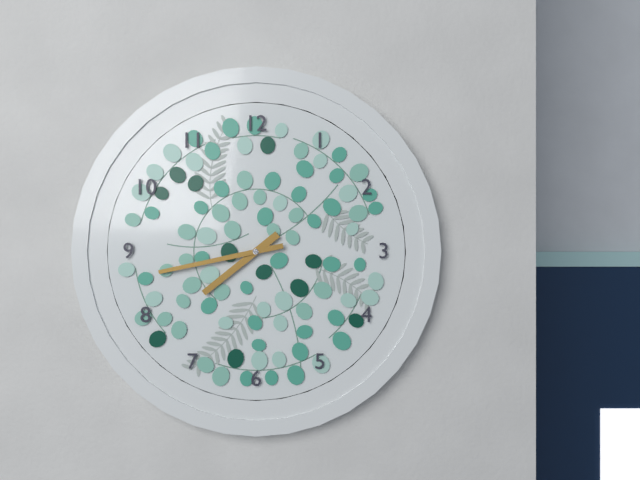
7:43
